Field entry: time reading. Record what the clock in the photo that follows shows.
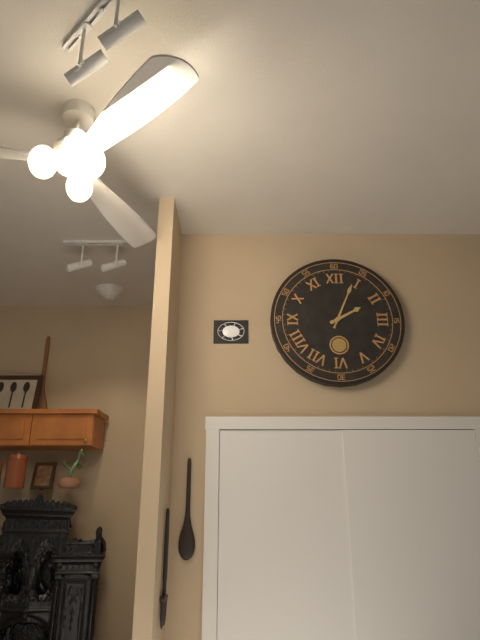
2:04
